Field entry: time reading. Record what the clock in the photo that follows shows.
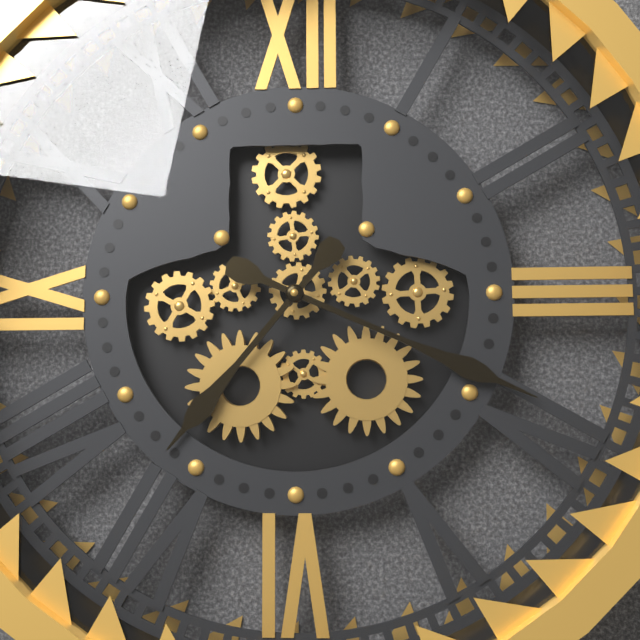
7:19
